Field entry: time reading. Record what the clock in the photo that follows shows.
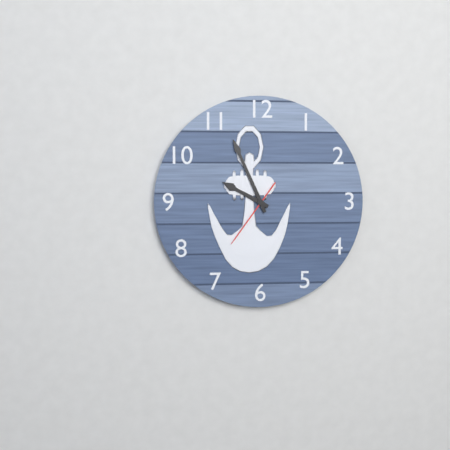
9:56:36
